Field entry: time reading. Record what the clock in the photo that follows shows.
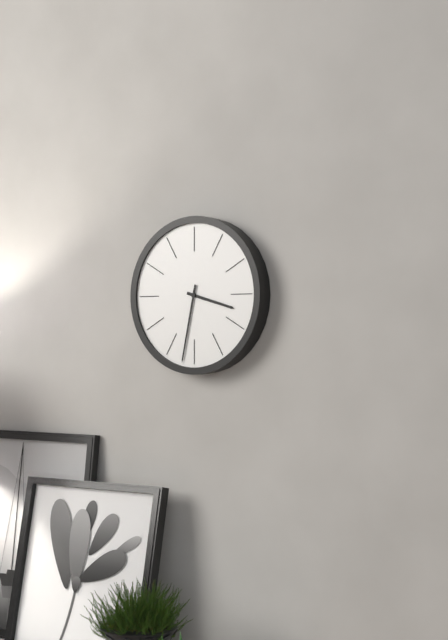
3:32
